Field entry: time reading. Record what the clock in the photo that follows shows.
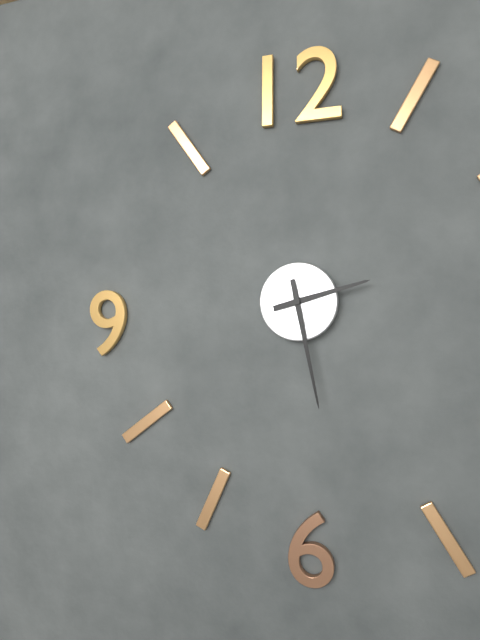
2:28
